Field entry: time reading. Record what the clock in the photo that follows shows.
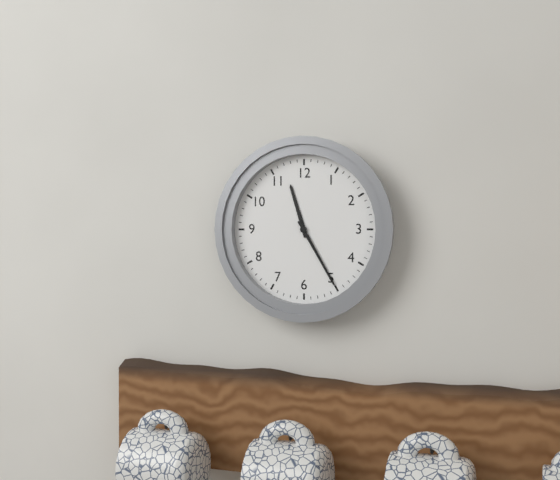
11:25
